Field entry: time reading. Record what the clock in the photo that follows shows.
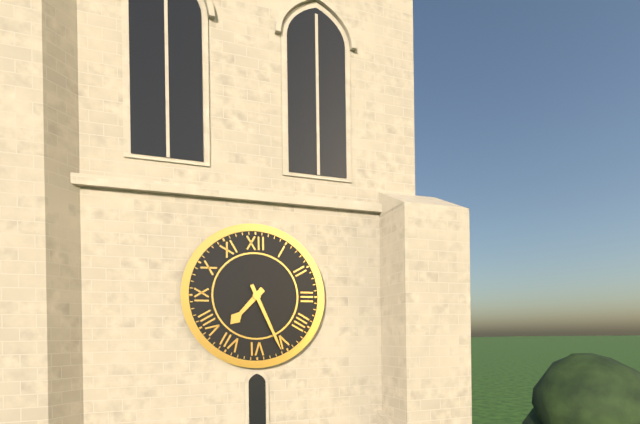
7:26
